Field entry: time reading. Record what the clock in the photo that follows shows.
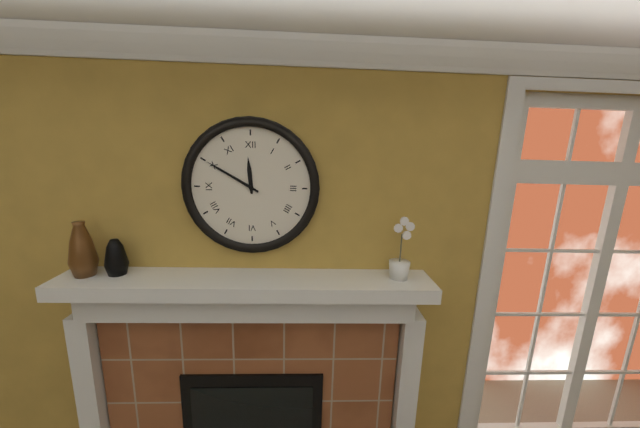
11:50
